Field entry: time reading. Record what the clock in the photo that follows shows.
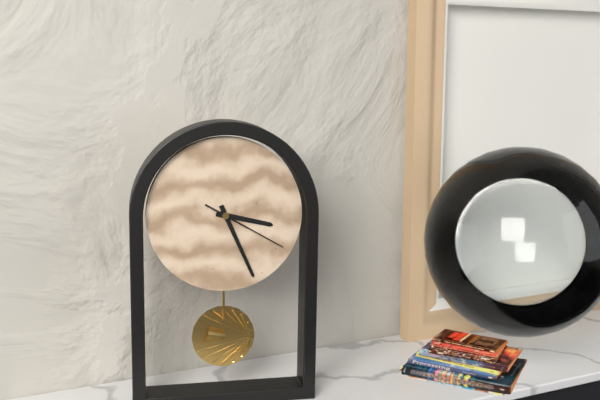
3:26:20
